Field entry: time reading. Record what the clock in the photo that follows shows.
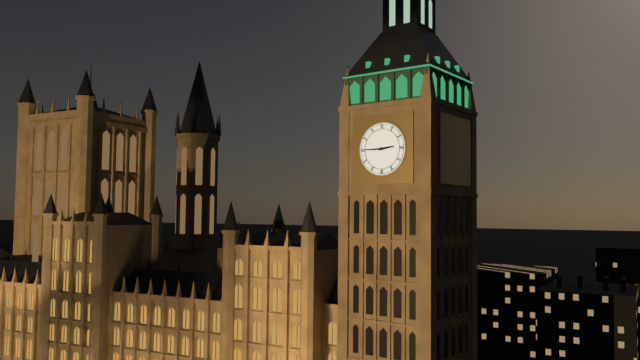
2:45
